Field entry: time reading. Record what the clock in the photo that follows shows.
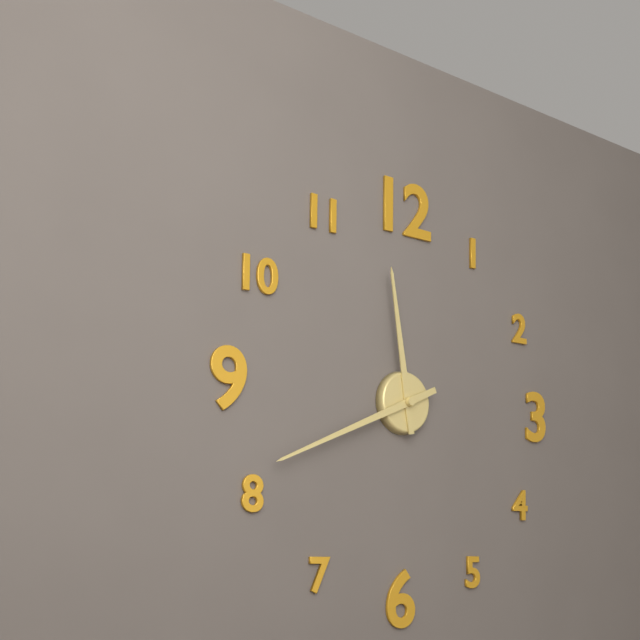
11:41
